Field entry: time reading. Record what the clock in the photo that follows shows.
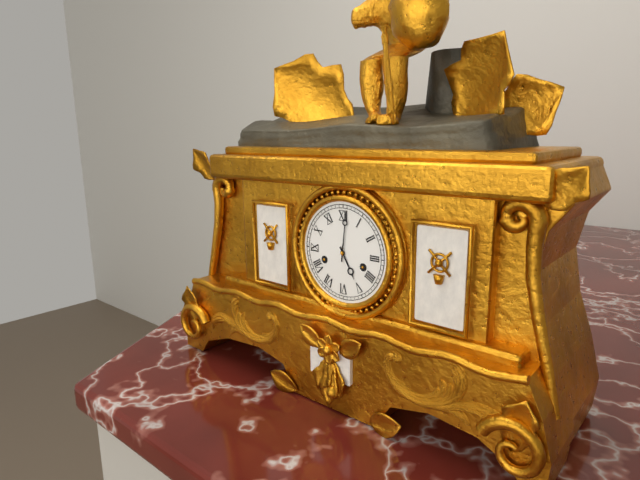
5:01
